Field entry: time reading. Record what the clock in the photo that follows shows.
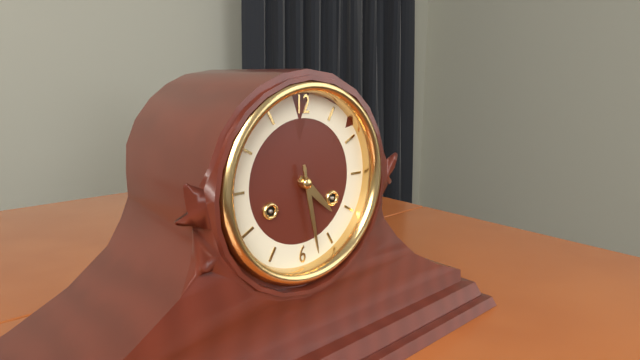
4:28
